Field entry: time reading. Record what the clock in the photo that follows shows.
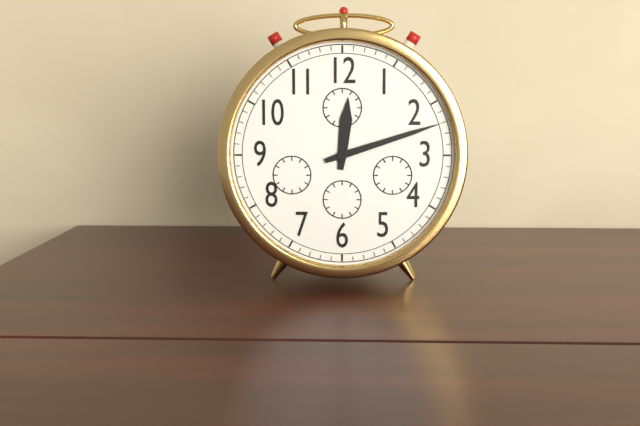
12:12
